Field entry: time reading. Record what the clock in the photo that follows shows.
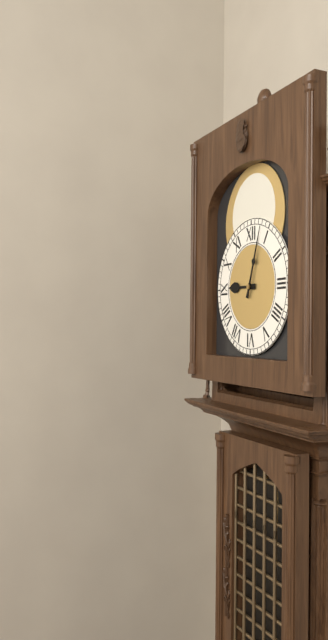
9:03
